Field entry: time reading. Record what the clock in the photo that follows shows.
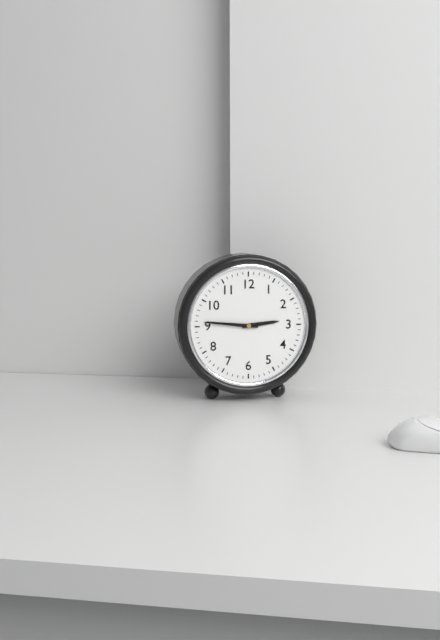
2:46
